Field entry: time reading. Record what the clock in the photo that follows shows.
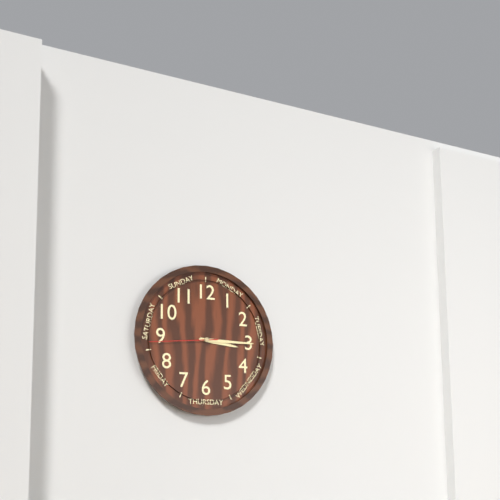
3:15:44
